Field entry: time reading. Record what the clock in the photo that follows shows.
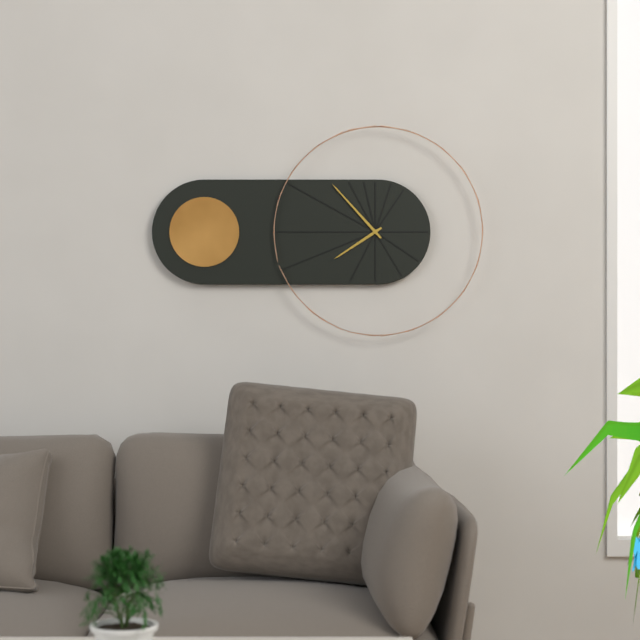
7:53
